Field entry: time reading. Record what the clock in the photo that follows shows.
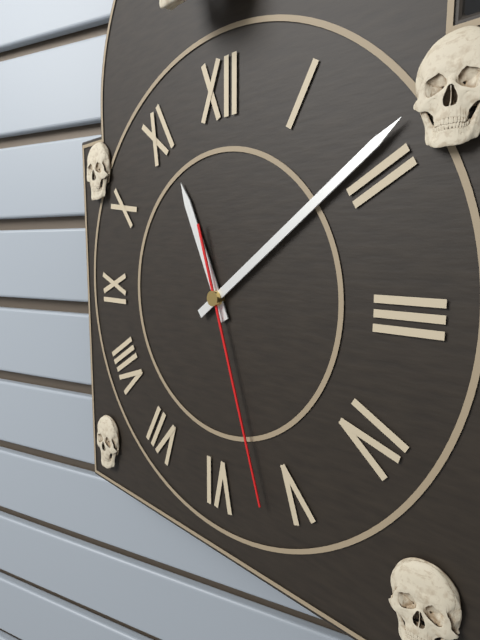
11:09:27
